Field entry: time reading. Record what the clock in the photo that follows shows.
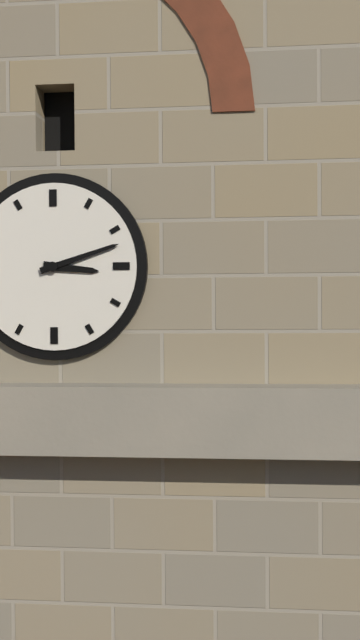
3:12
